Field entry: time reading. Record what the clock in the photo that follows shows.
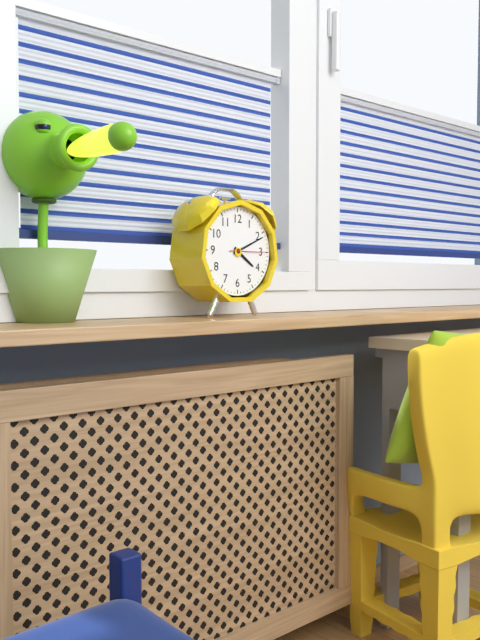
4:11
